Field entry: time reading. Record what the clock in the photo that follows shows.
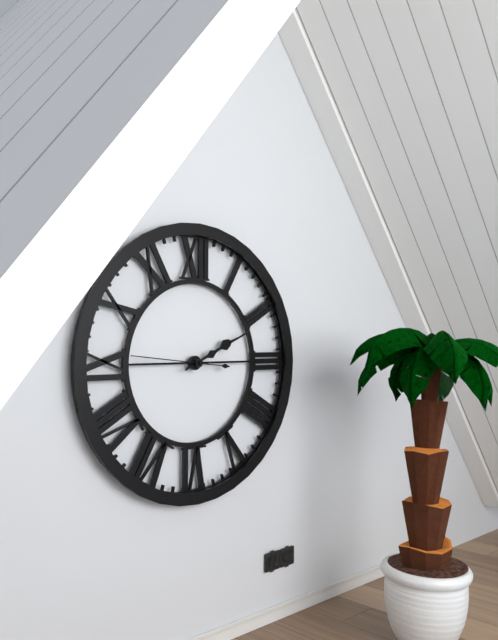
2:11:46
